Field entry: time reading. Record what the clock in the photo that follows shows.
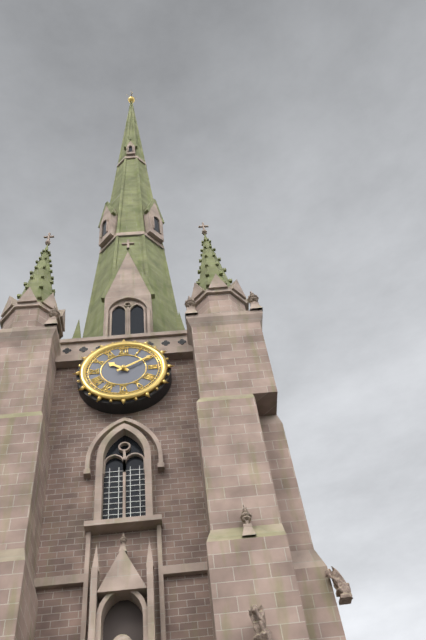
10:10
